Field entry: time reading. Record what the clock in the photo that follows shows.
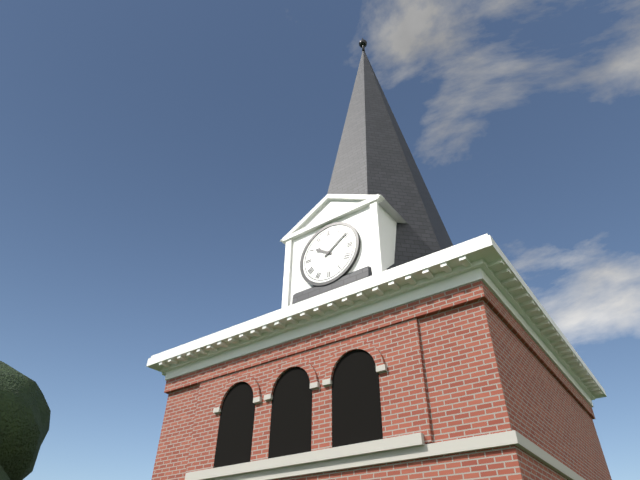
10:09
